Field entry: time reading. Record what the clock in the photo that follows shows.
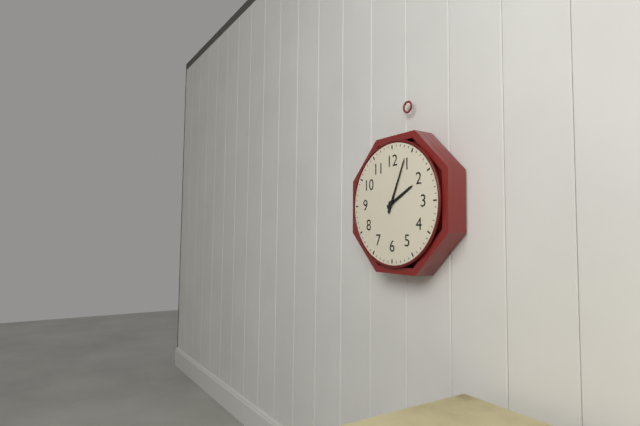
2:04
